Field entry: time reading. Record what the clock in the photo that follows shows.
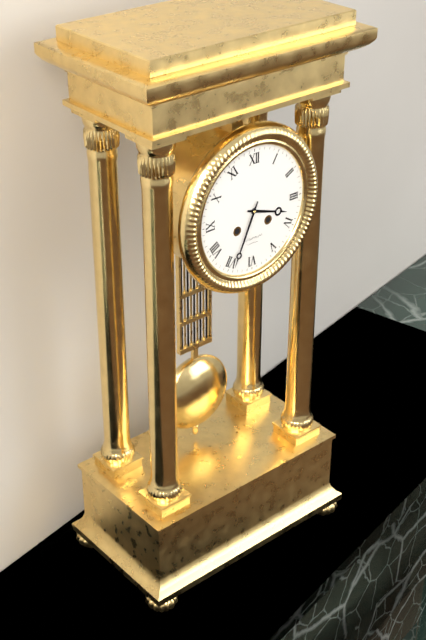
3:34
